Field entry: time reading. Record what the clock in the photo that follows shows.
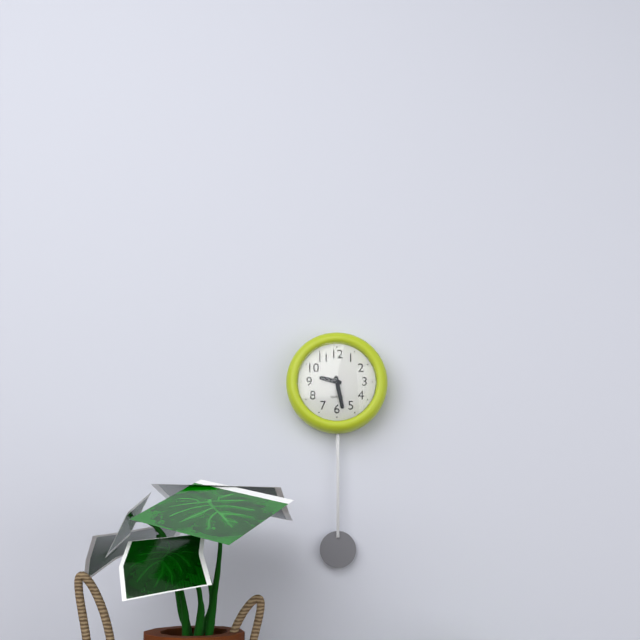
9:28
